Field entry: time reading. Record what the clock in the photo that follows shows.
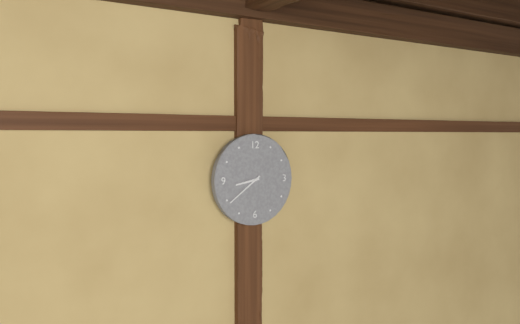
8:39
